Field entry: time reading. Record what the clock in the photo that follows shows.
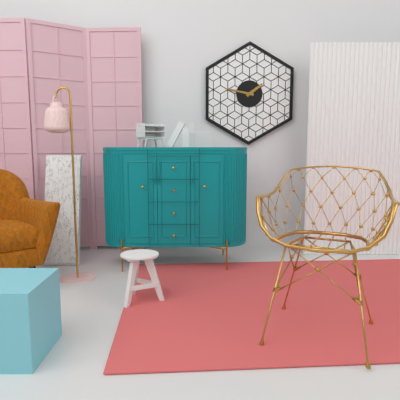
1:47
